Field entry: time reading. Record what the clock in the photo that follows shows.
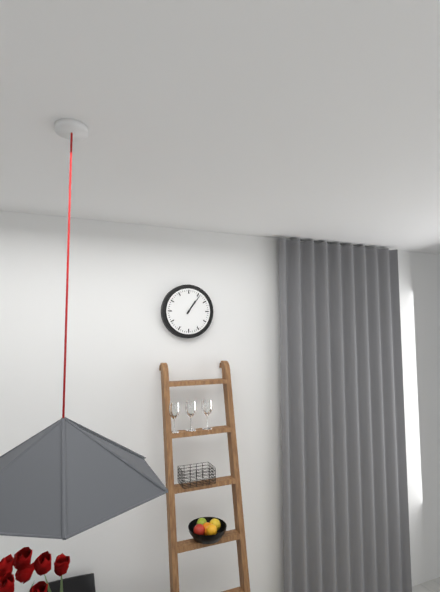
1:06
